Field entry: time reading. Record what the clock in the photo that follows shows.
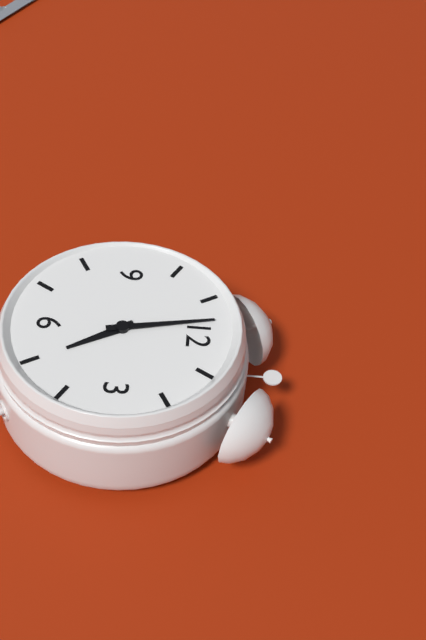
4:58
